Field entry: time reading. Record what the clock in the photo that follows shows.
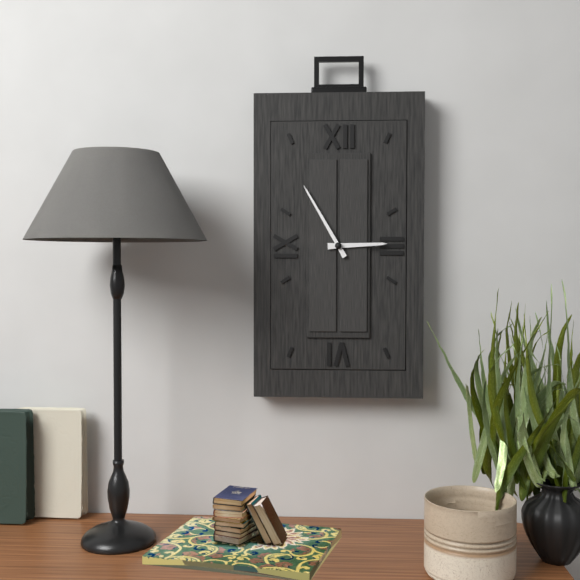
2:55
